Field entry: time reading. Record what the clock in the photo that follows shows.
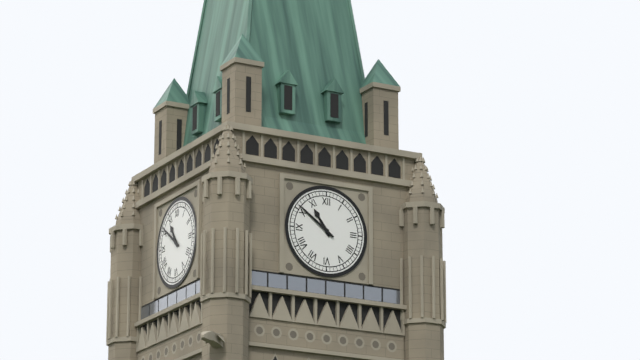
10:51
